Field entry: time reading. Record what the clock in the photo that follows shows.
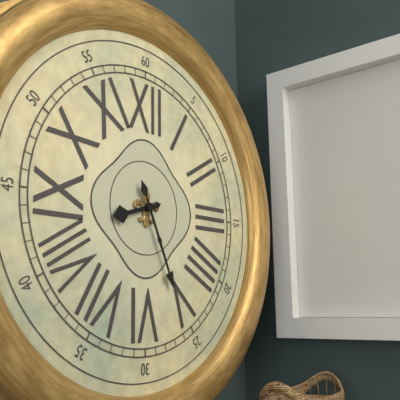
8:26
